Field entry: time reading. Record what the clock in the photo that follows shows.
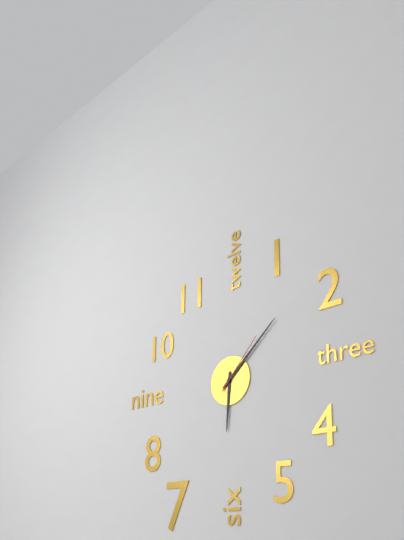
6:08:07
